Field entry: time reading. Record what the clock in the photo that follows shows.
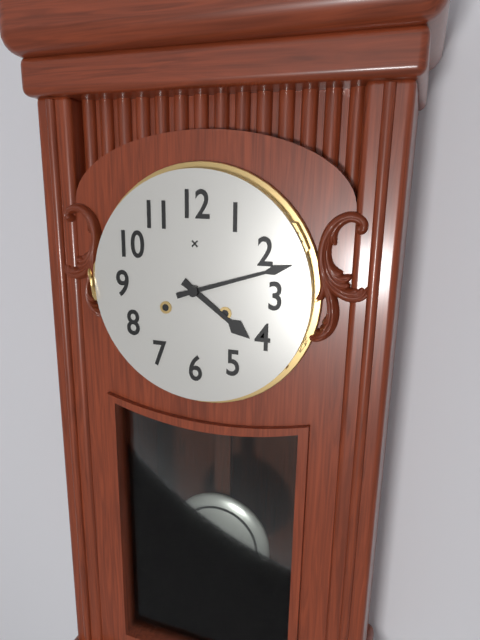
4:12
